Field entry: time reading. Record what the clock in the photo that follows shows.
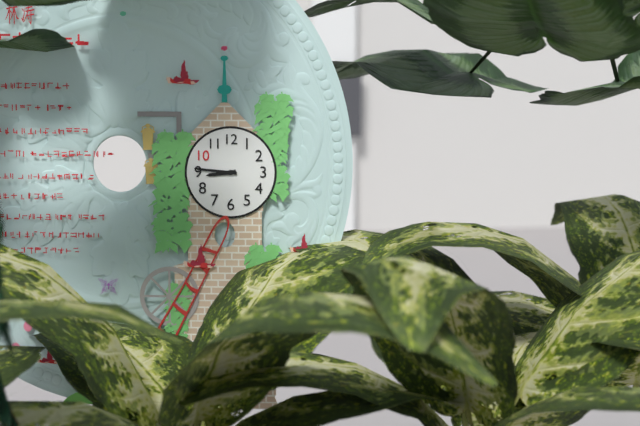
8:46
